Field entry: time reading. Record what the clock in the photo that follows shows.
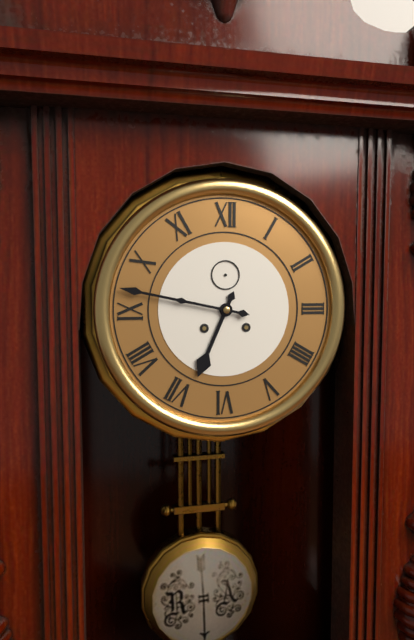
6:47
